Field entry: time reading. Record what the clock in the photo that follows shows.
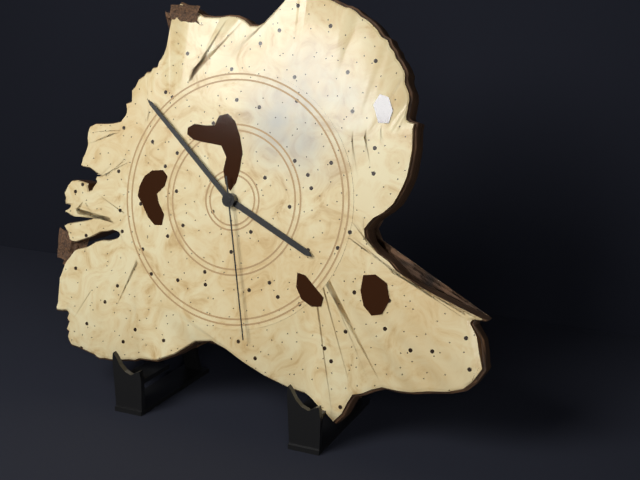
3:52:28
